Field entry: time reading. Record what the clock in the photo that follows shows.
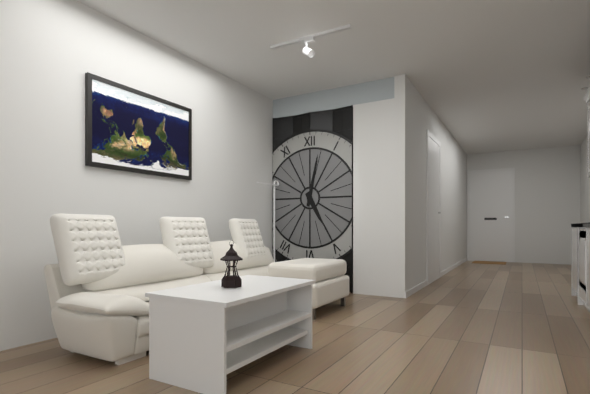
5:02
